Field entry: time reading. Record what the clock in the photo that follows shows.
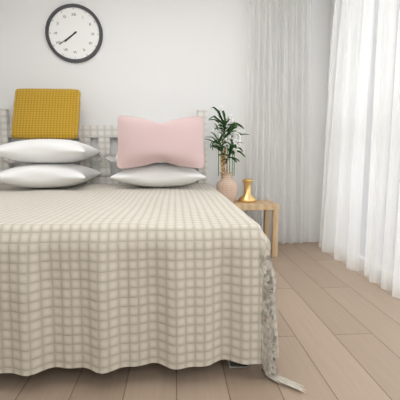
7:39
